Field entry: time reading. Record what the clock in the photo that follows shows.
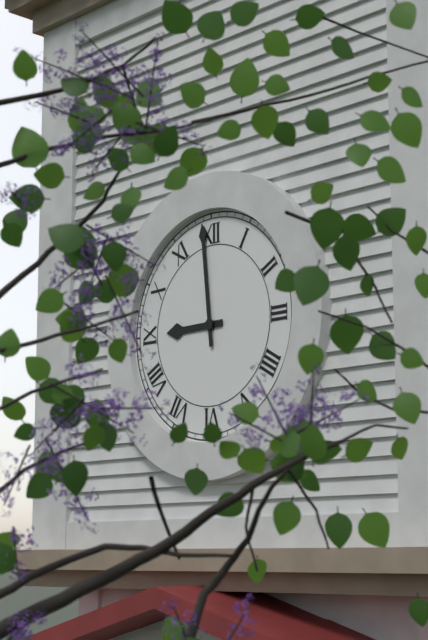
8:59
